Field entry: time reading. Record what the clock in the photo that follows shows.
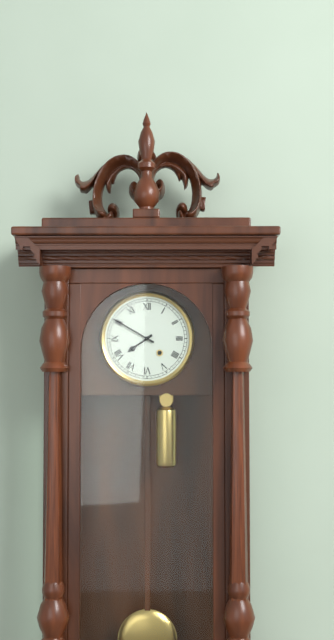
7:50
